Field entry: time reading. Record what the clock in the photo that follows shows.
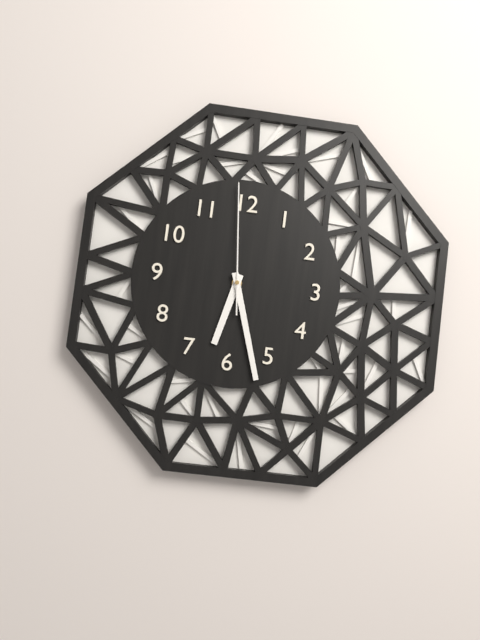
6:27:59
